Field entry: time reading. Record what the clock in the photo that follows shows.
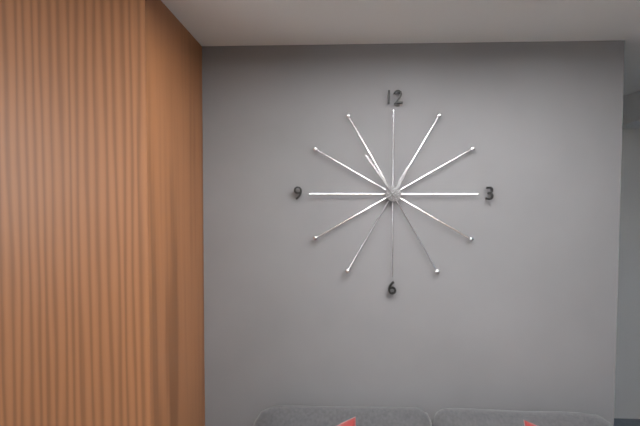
12:54
